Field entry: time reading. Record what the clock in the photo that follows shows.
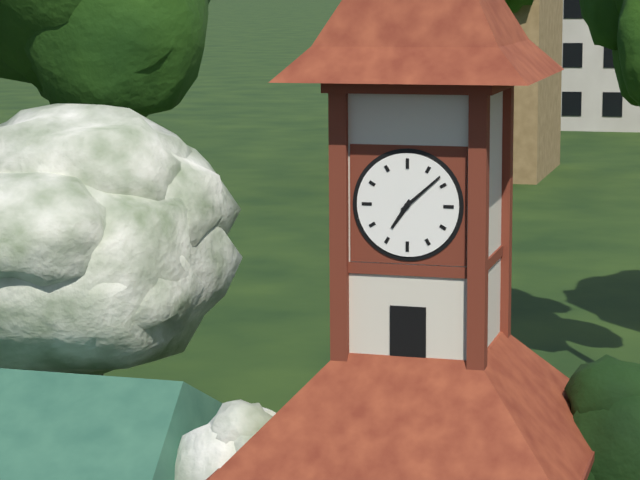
7:08
